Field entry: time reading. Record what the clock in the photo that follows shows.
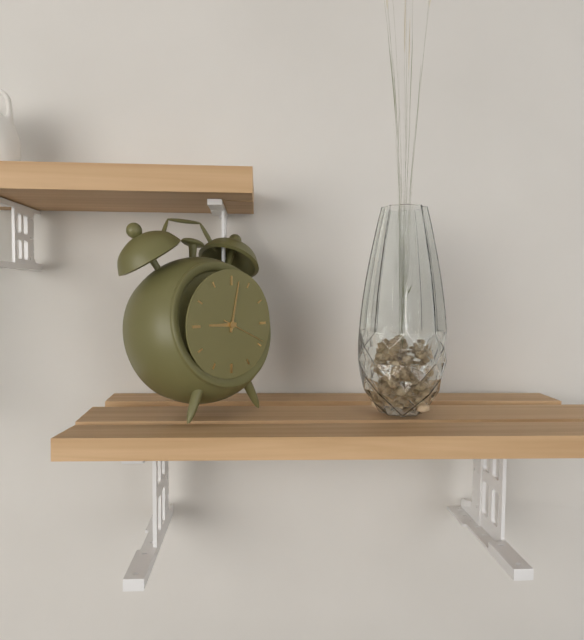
9:02
